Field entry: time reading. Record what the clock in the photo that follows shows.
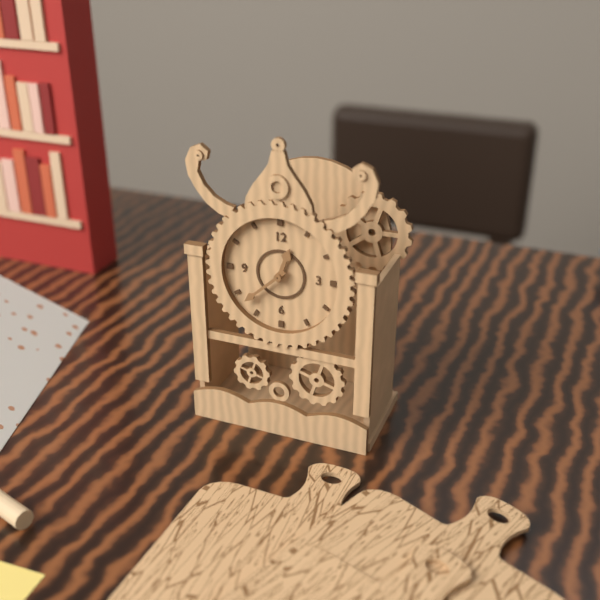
12:38
